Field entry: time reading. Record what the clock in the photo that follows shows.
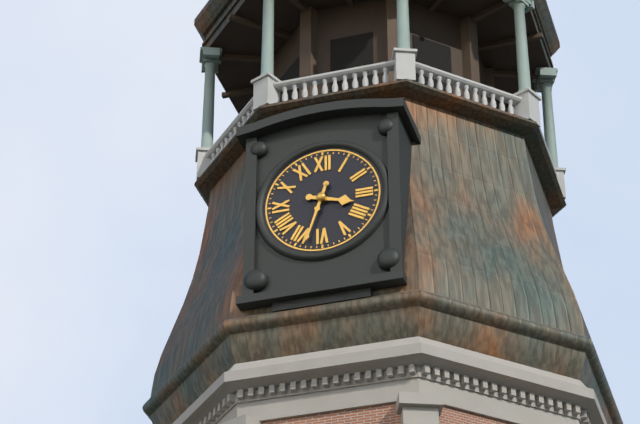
3:33
